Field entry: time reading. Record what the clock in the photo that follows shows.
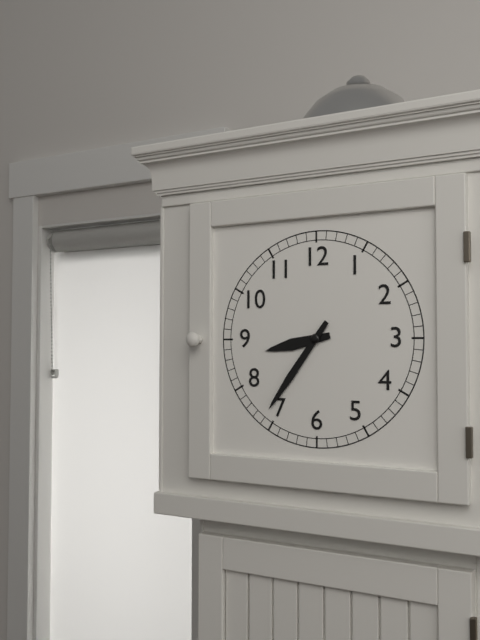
8:36
